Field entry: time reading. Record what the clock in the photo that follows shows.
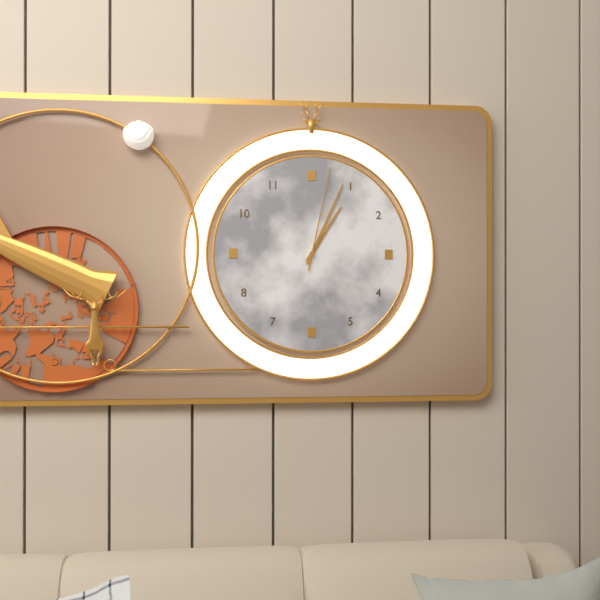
1:04:02
